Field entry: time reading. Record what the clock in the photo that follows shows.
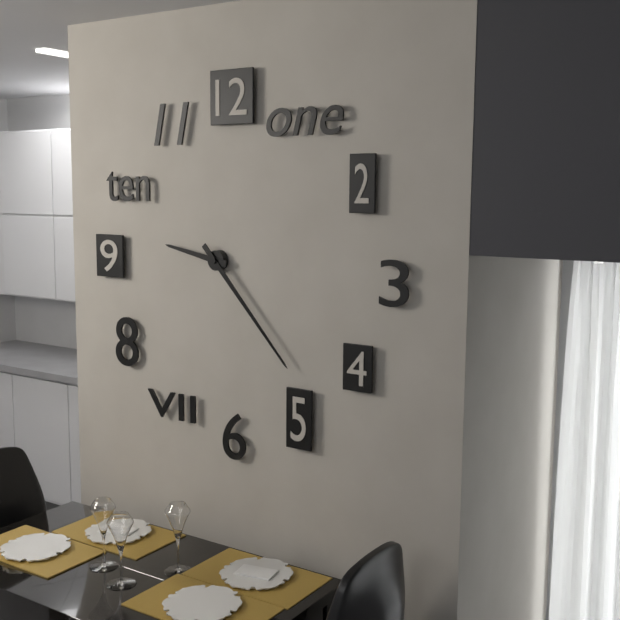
9:23
